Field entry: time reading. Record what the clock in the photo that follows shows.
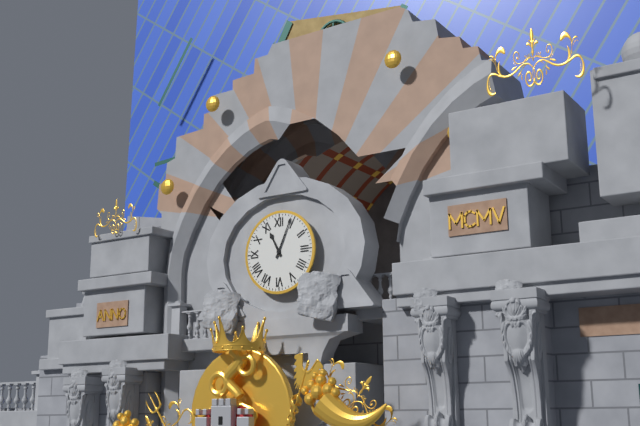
11:04
